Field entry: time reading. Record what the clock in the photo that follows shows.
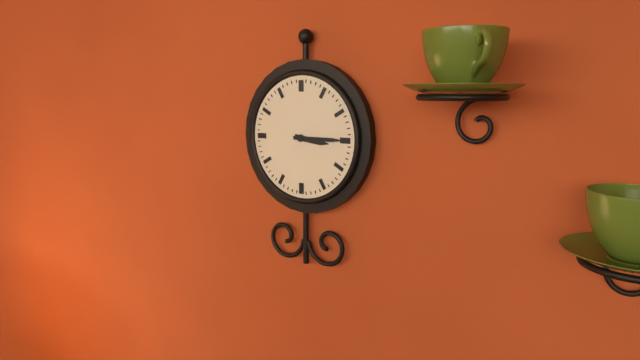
3:15
